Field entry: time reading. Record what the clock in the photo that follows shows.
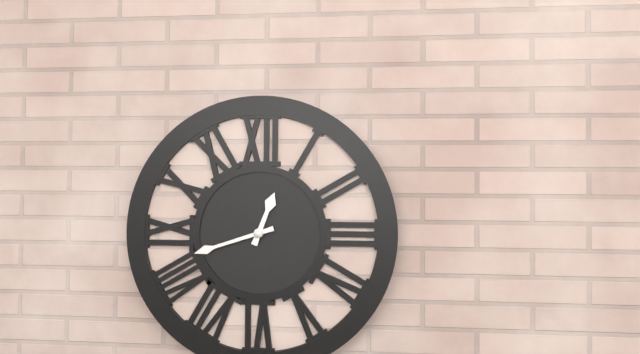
12:42
